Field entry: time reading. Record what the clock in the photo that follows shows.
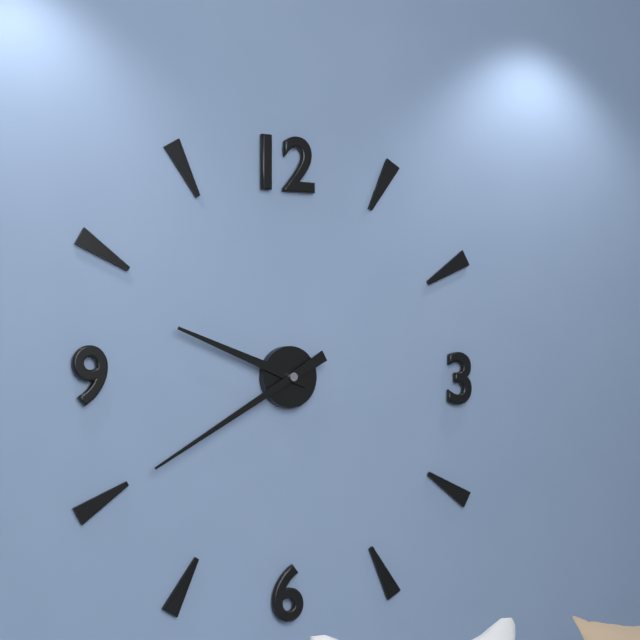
9:40
